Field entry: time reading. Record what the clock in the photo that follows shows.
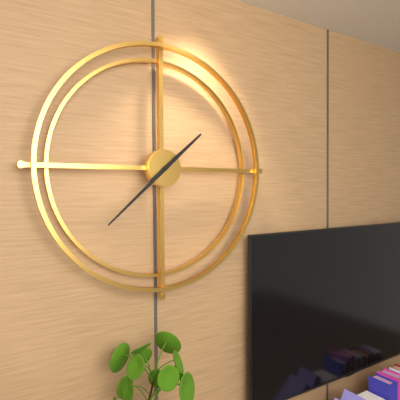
1:38
